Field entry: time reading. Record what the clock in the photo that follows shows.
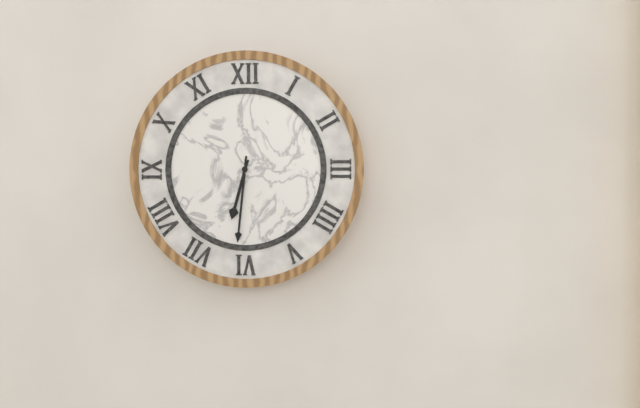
6:31
